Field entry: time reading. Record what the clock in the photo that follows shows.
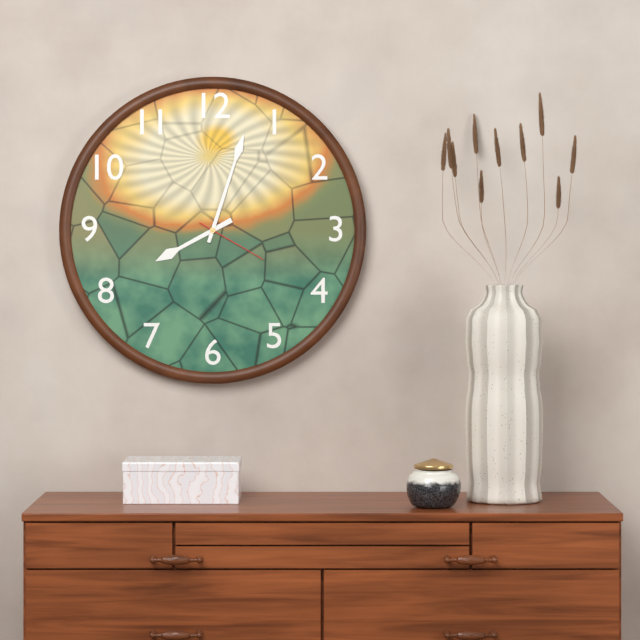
8:03:20
